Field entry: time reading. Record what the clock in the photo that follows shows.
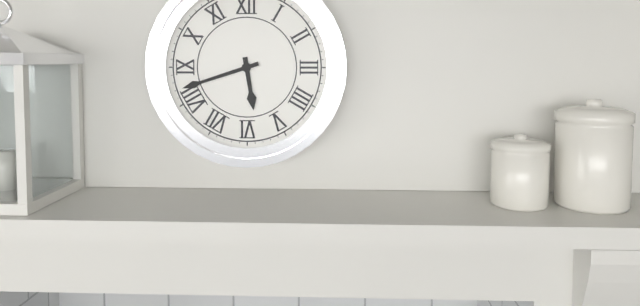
5:42
